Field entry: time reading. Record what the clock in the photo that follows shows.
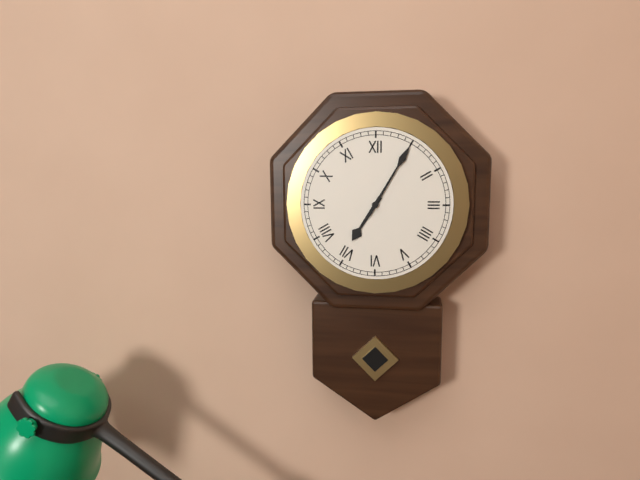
7:05
